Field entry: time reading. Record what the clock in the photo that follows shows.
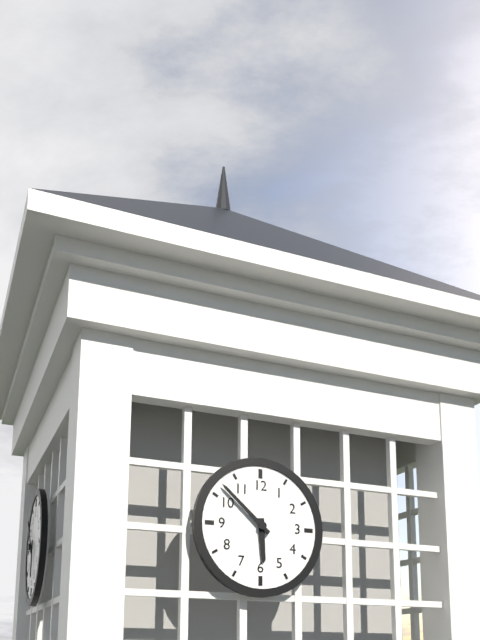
5:52
